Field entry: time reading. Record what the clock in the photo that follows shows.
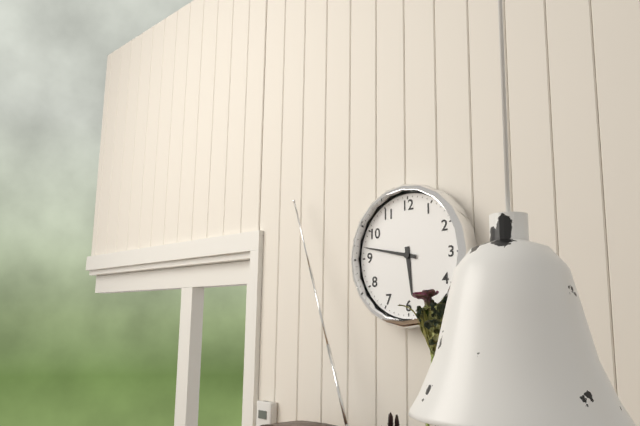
5:47
